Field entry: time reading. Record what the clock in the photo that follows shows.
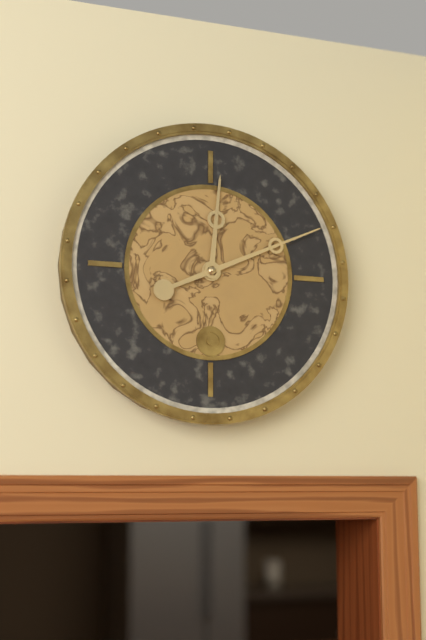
12:11
